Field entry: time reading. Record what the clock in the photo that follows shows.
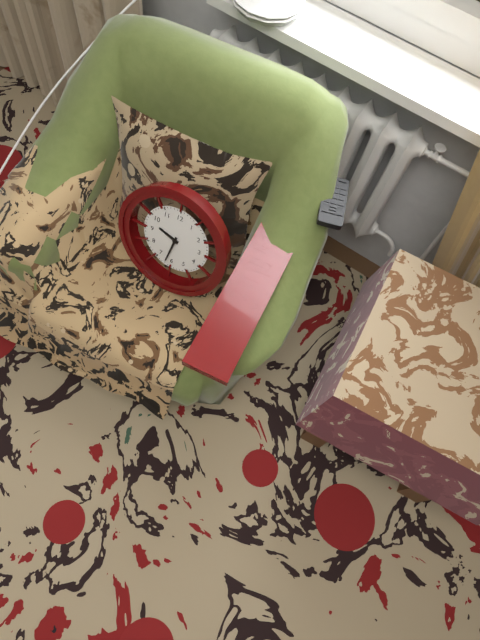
9:32
